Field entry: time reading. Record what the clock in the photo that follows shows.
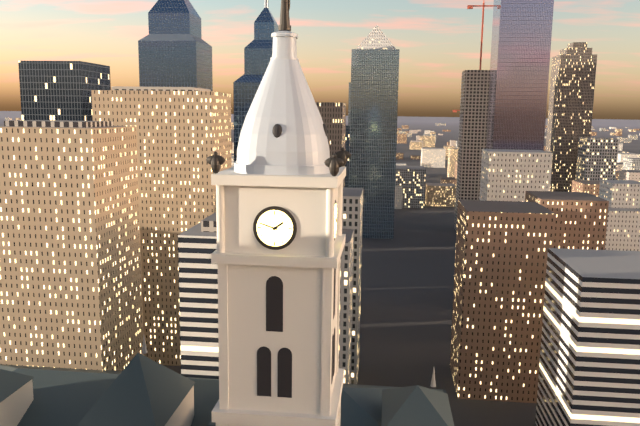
1:48
